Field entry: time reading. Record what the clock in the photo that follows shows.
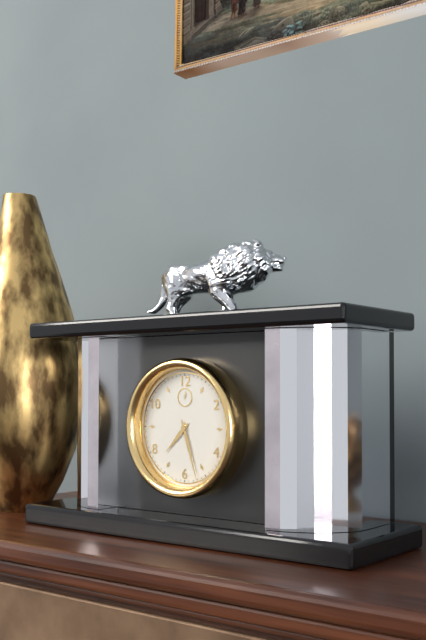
7:27
